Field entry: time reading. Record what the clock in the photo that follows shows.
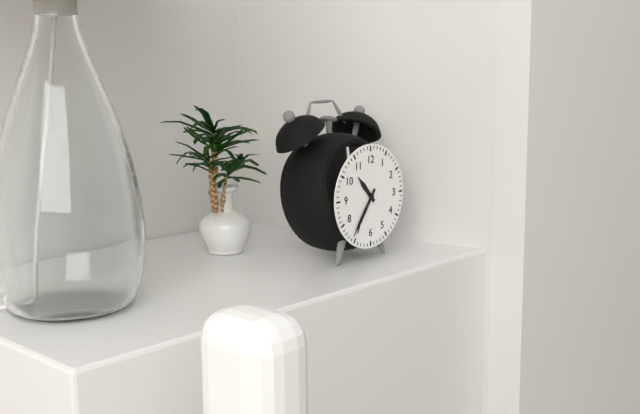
10:36
